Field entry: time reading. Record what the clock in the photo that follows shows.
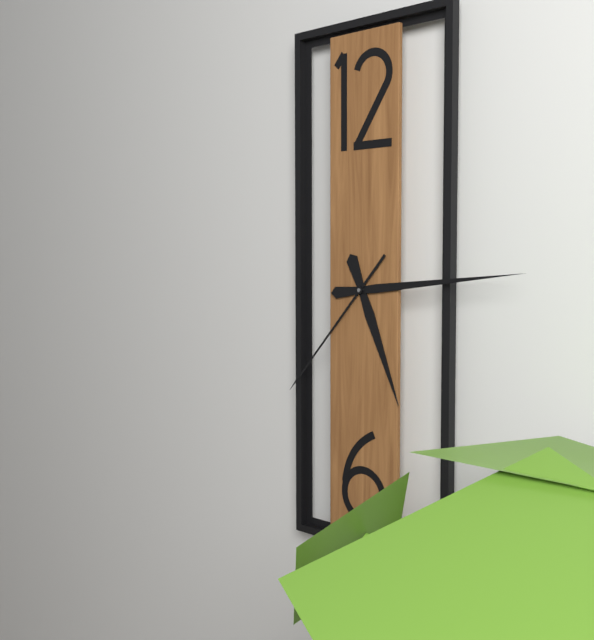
5:14:37
